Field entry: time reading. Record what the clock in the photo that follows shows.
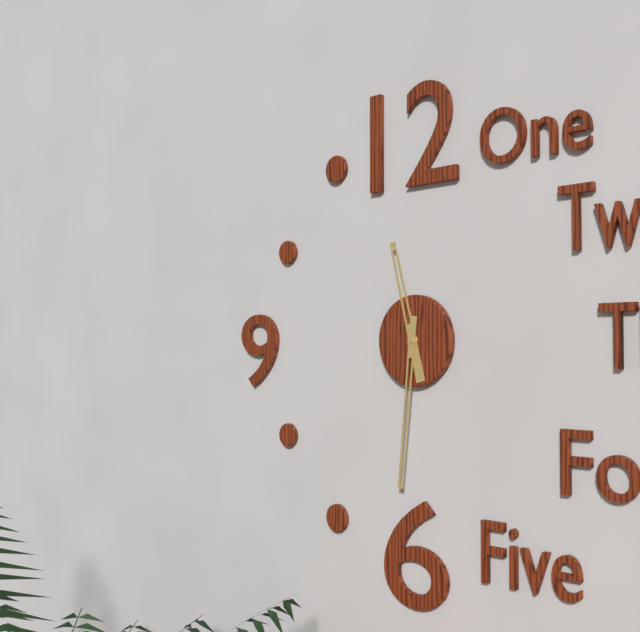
11:31
